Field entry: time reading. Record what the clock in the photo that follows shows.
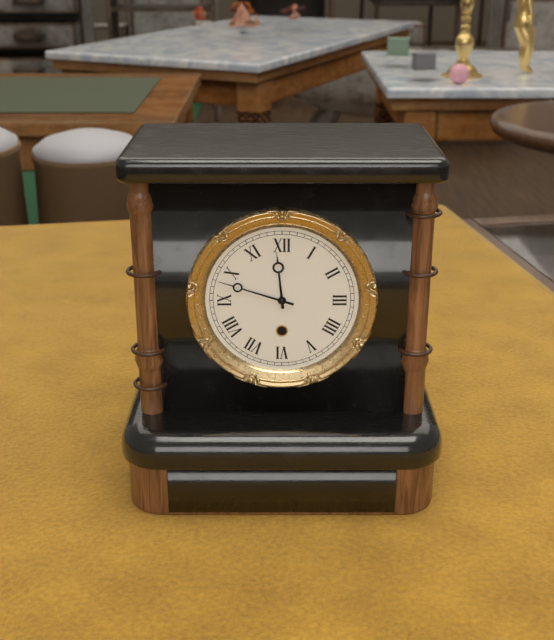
11:48
